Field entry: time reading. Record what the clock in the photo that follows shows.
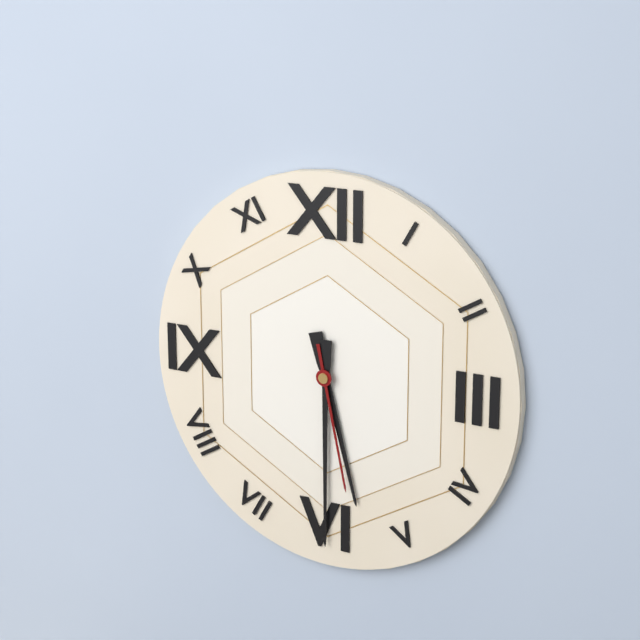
5:30:28
